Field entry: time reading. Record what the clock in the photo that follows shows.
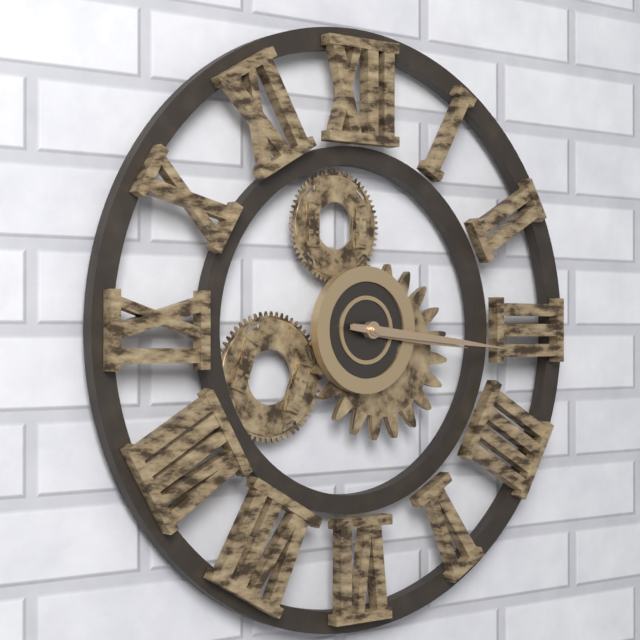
3:16
